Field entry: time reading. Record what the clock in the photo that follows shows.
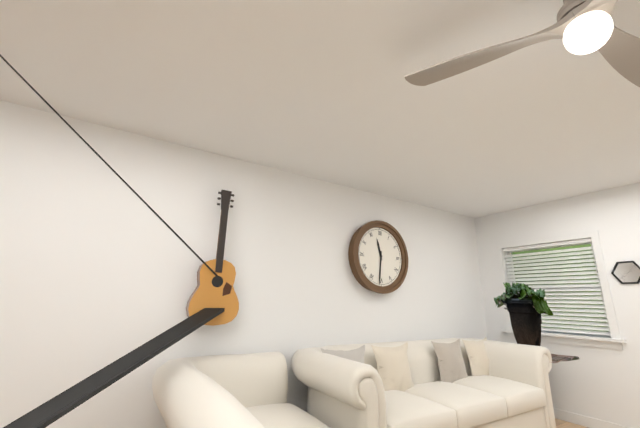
11:31
